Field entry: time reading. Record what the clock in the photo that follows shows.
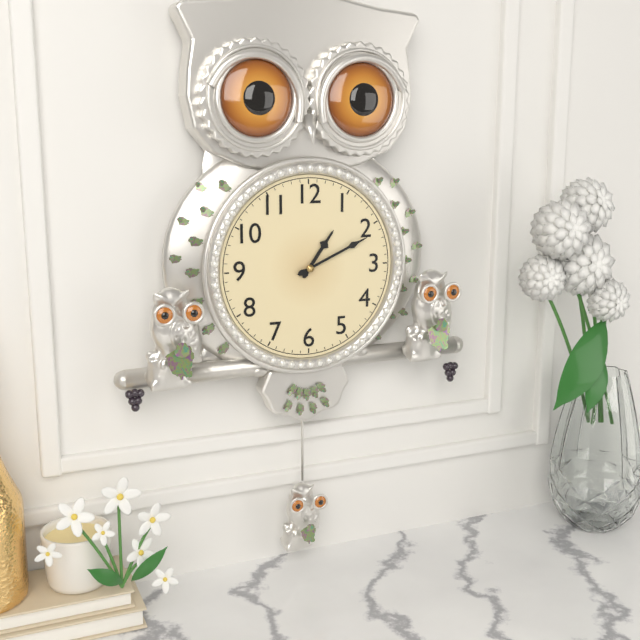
1:11
